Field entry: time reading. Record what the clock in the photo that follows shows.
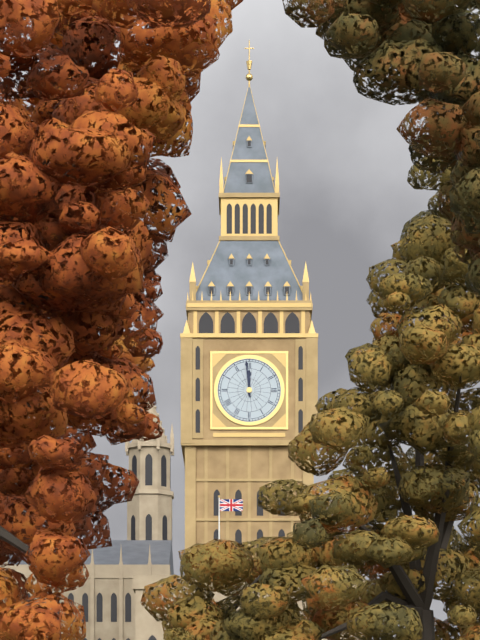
11:59
